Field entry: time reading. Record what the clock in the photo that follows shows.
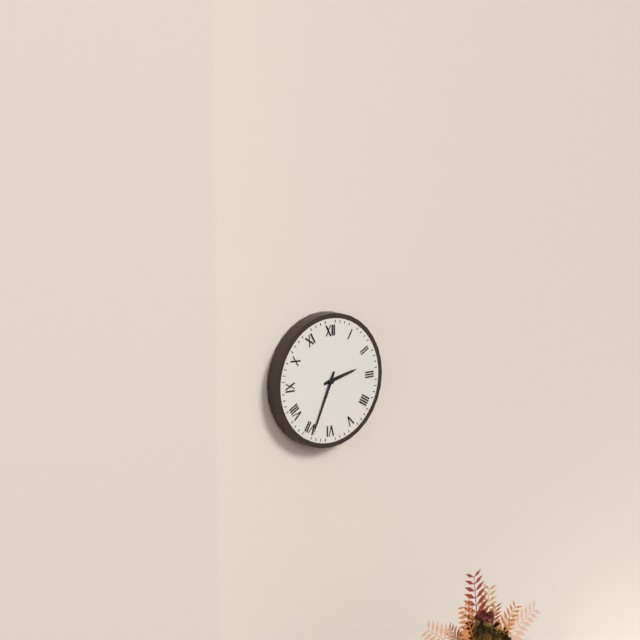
2:34
